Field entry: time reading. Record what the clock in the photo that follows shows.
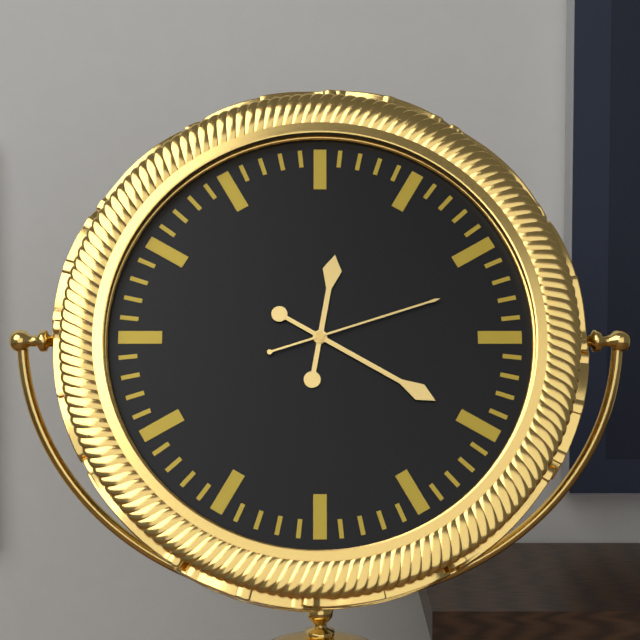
12:20:12
